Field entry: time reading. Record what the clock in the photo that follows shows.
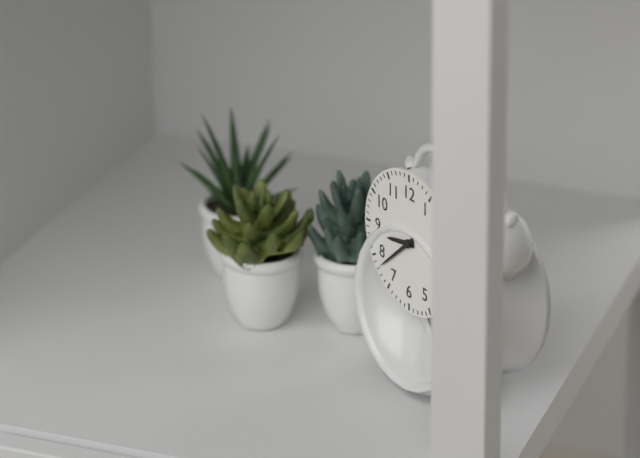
8:38
